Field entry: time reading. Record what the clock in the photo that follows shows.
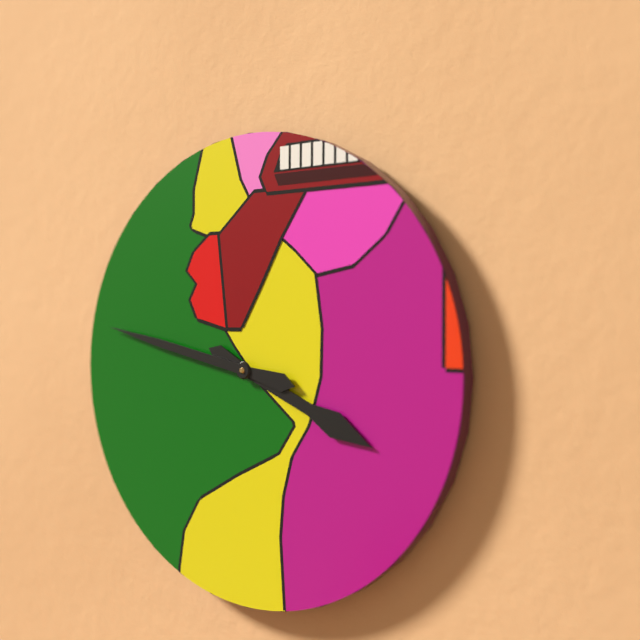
3:47
